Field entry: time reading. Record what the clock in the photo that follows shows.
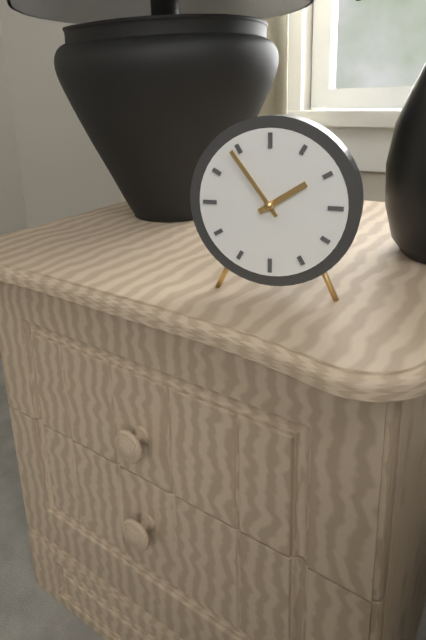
1:54
